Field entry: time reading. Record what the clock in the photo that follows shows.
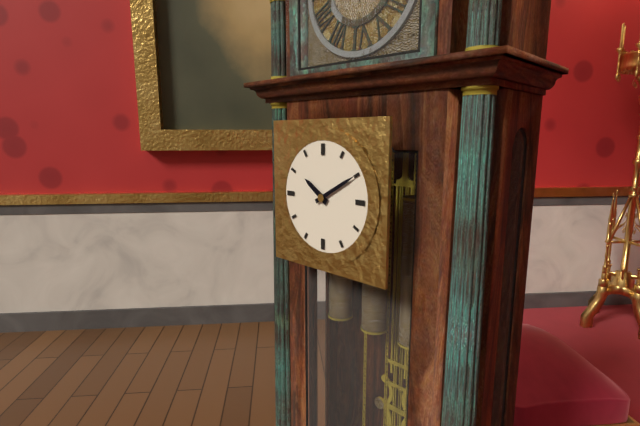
10:10
